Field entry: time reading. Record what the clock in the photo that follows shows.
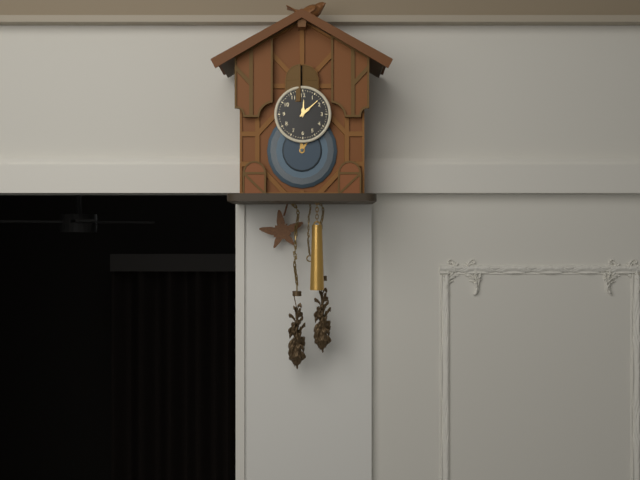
12:08
